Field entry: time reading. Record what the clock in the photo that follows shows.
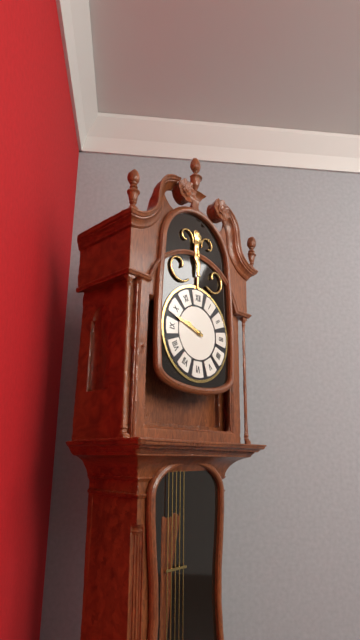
9:48
